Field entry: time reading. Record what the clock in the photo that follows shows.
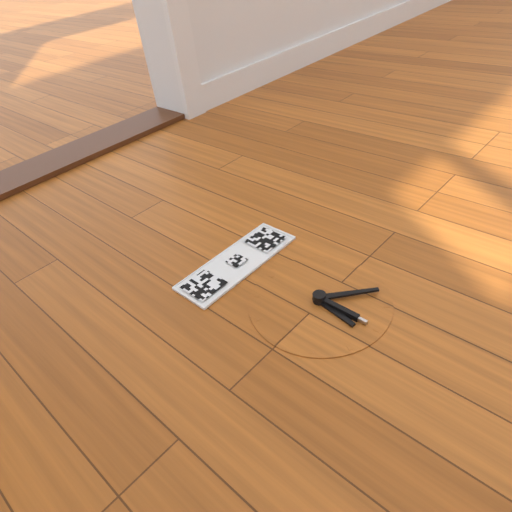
6:22
